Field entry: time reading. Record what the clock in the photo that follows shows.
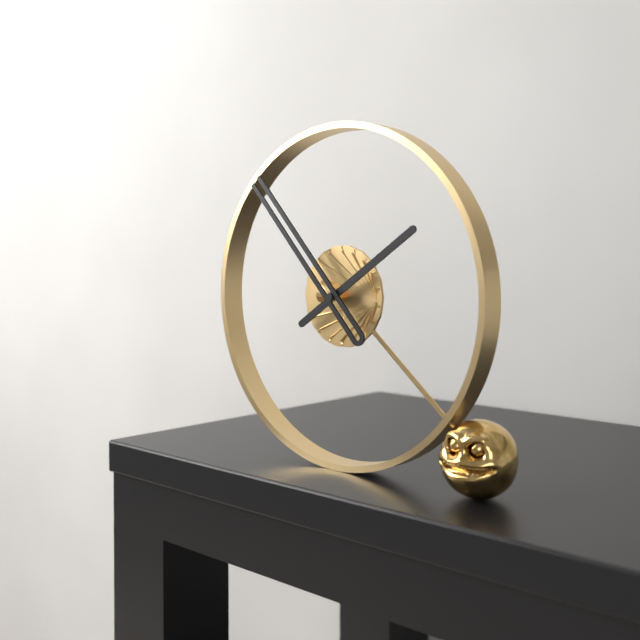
1:53
